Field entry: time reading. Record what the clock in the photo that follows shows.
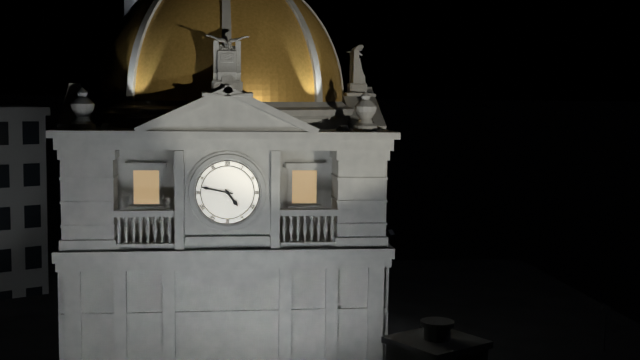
4:47
